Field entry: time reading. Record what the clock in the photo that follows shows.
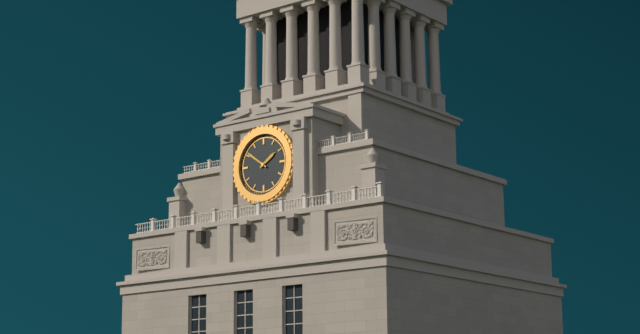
1:51
